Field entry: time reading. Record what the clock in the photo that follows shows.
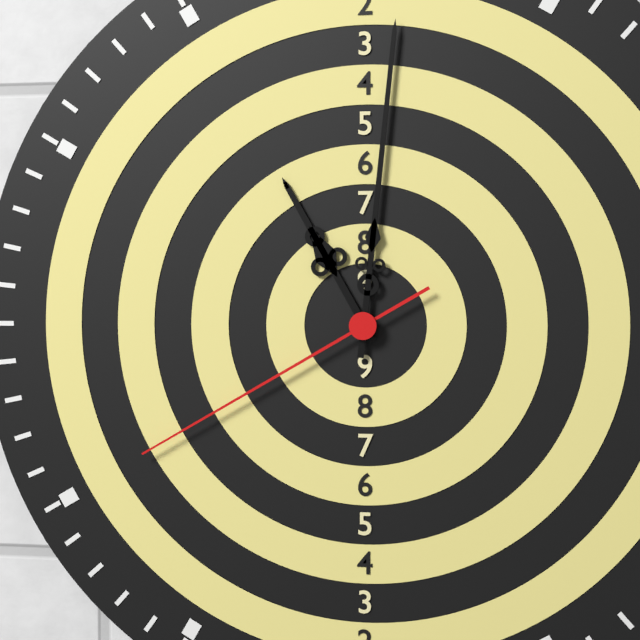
11:01:40
